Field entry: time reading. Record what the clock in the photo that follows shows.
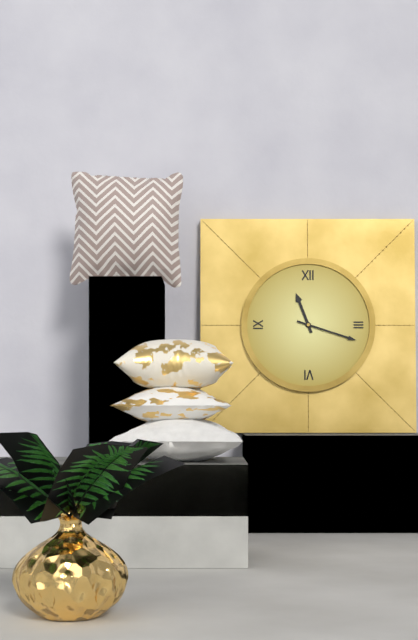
11:18
